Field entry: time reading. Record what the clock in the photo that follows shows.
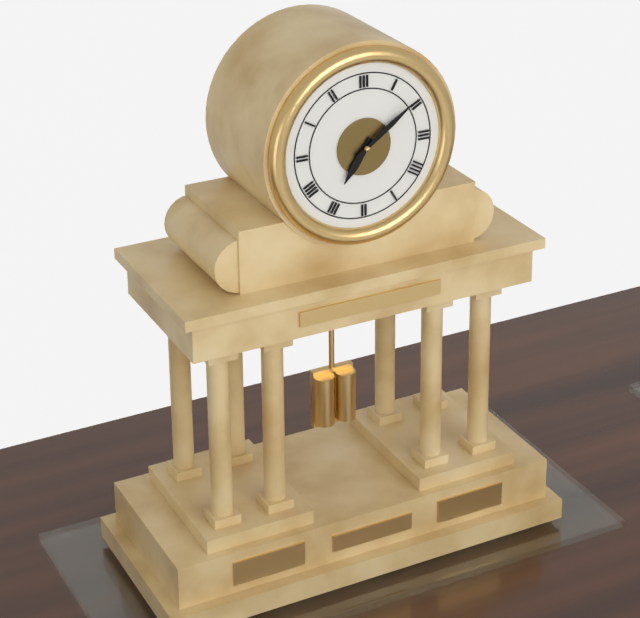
7:09
